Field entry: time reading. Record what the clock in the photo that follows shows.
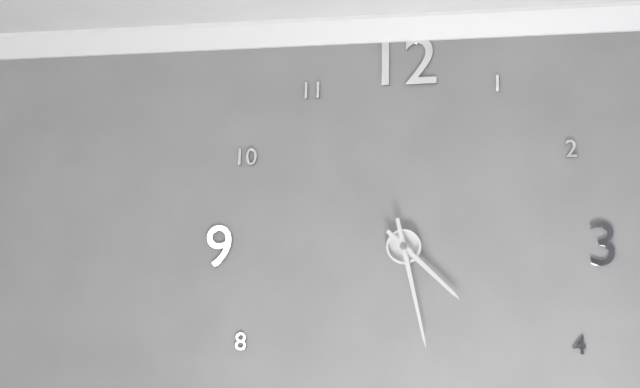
4:28
